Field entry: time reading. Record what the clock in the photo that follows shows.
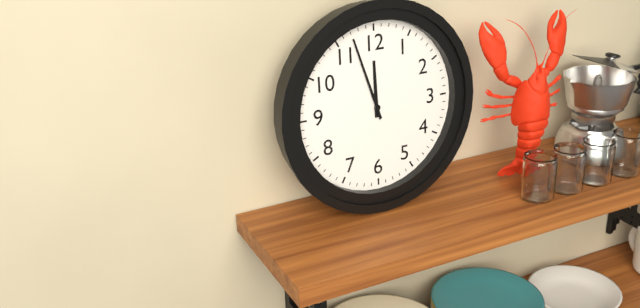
11:57
